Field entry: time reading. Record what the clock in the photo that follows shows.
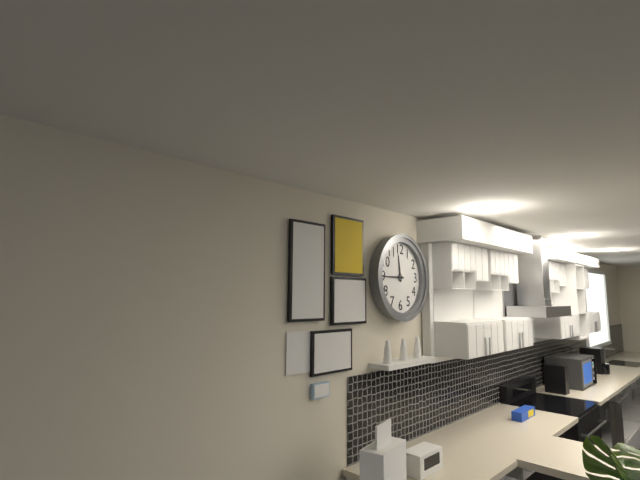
11:45
